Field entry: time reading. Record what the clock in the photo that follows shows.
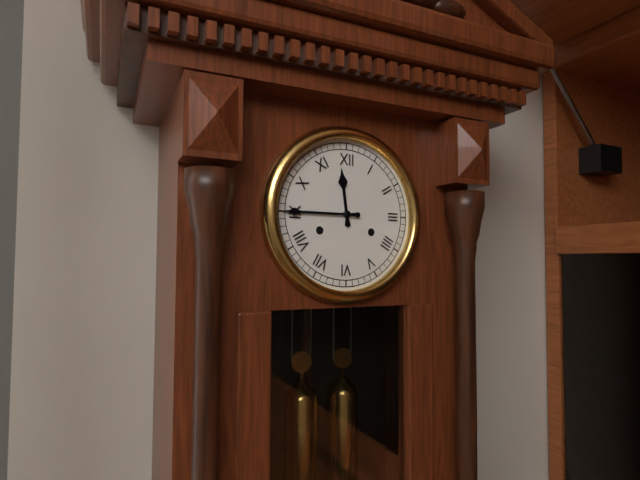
11:45
